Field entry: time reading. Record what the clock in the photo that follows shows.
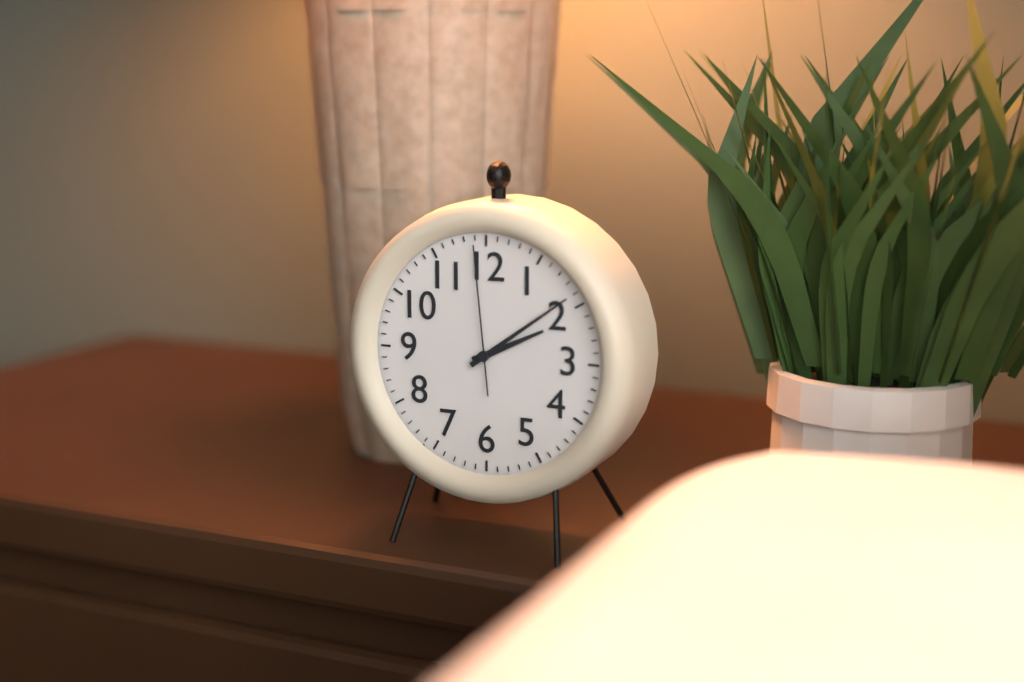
2:09:59
